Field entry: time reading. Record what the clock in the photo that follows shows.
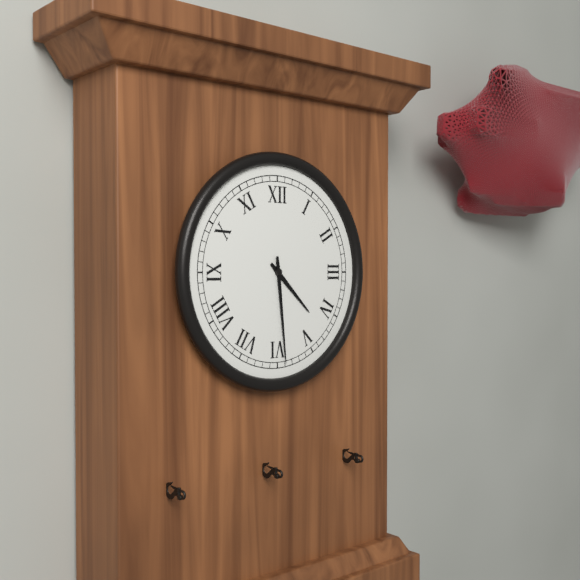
4:29
